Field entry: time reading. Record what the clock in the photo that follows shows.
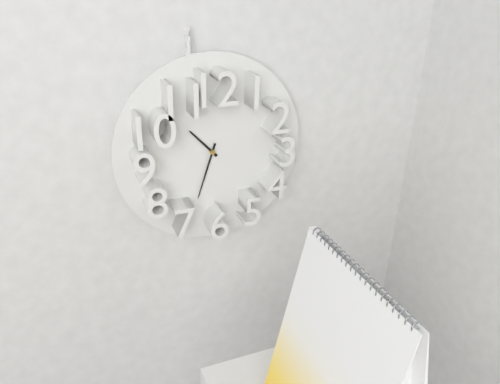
10:33
